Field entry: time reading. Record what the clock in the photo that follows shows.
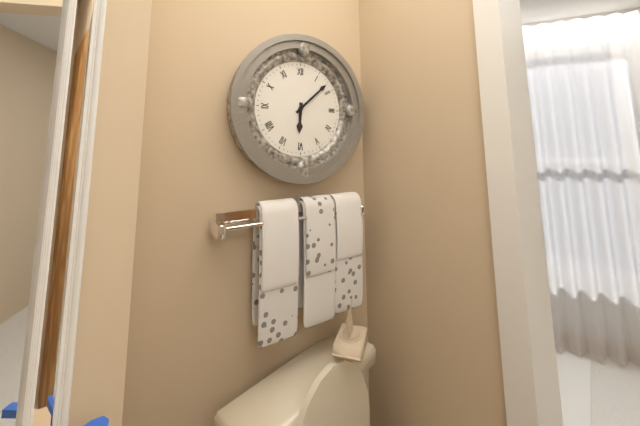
6:08
